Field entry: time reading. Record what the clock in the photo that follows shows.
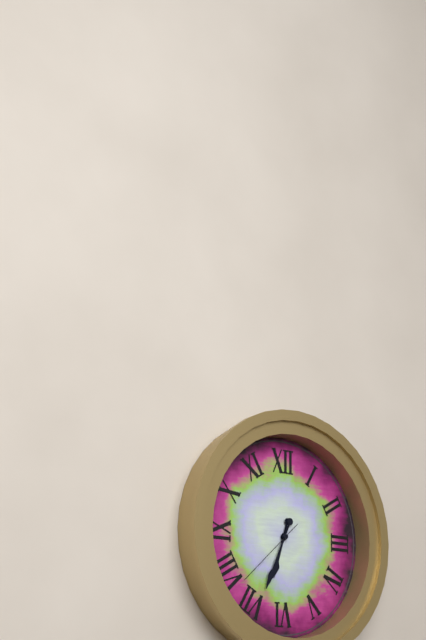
6:34:38
